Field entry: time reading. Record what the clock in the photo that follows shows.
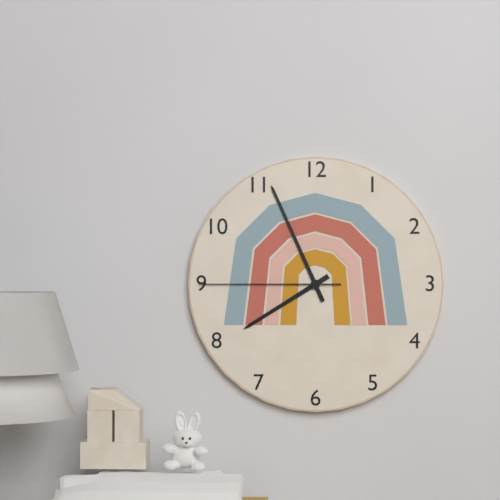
7:56:45
